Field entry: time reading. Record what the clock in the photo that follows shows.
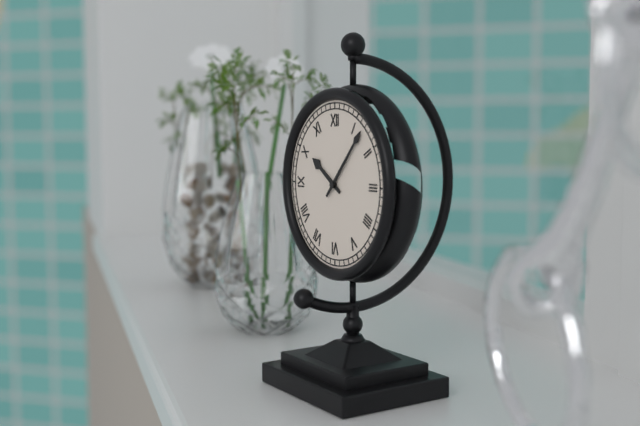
10:07
